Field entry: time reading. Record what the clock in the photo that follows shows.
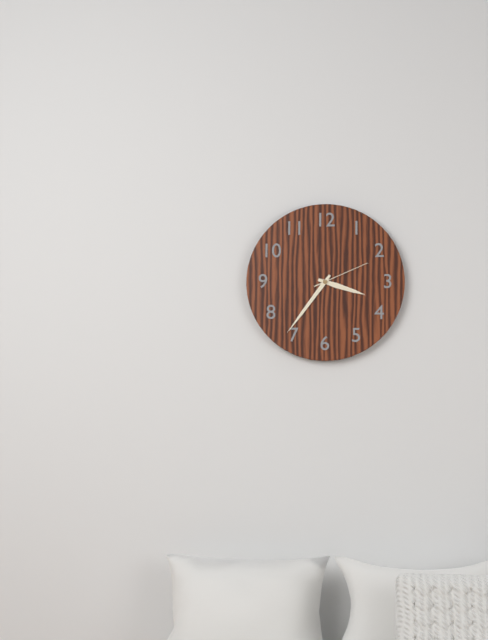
3:36:11
